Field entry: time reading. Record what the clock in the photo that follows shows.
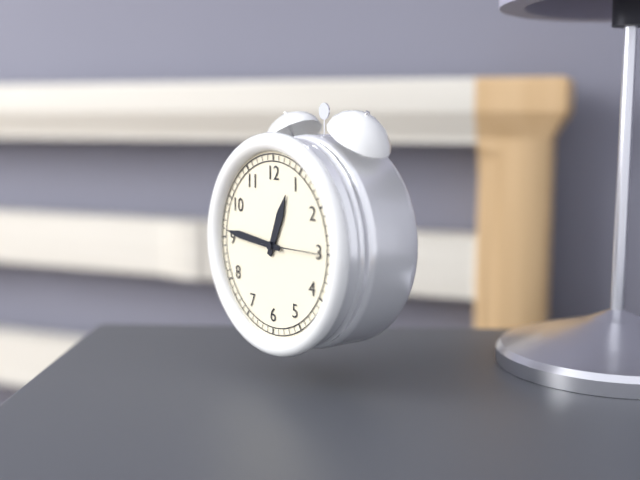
12:46:15
